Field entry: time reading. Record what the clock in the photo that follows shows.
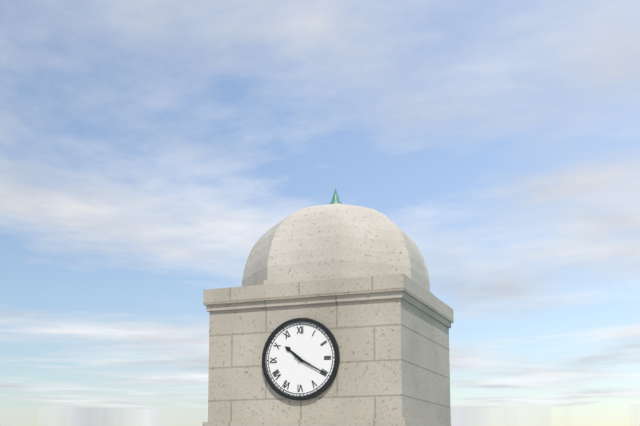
10:20
